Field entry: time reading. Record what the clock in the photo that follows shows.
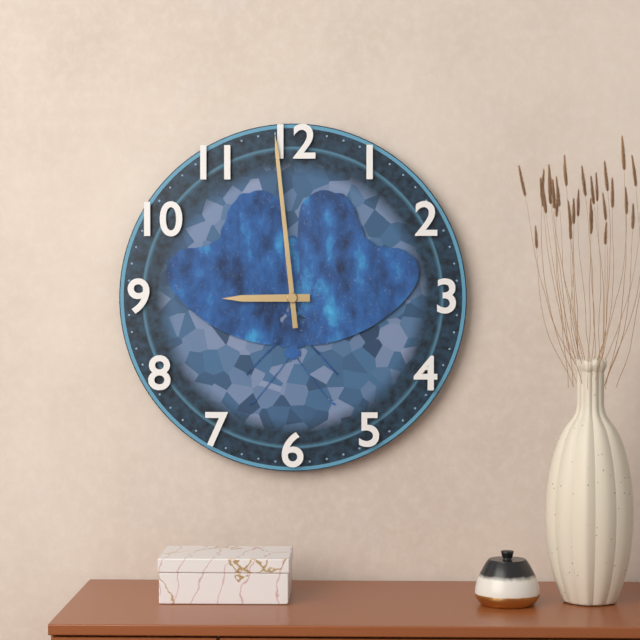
8:59
